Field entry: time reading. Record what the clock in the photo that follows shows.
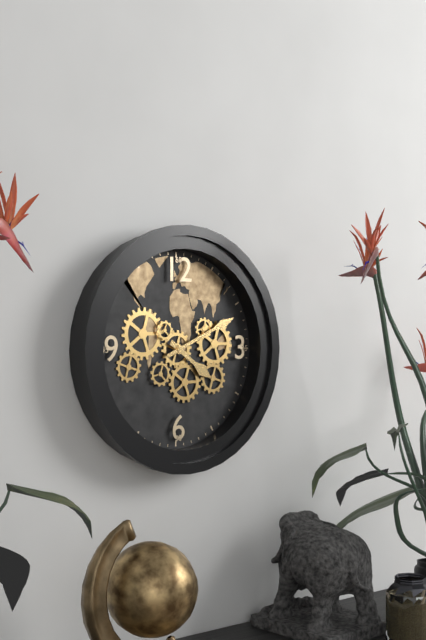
4:11
